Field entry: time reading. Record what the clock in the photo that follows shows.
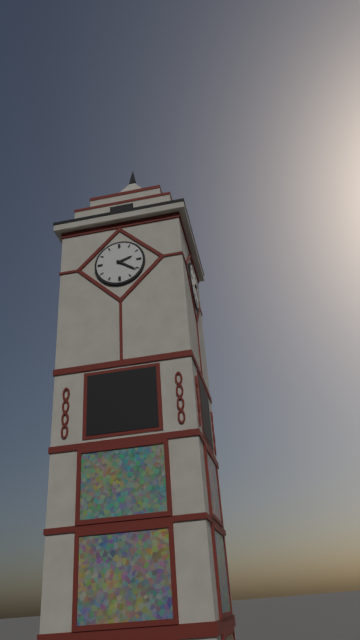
2:21
